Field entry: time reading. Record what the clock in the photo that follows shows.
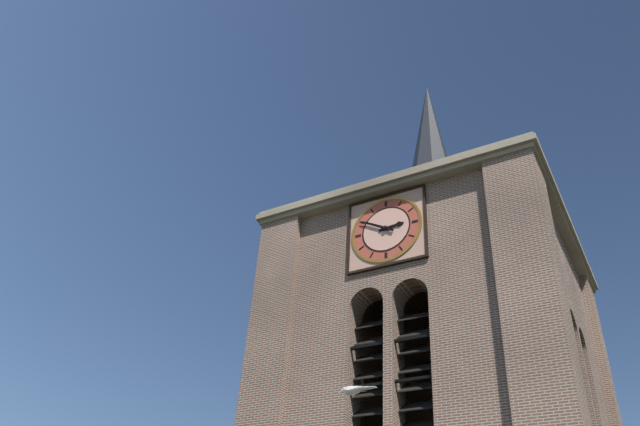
2:50
